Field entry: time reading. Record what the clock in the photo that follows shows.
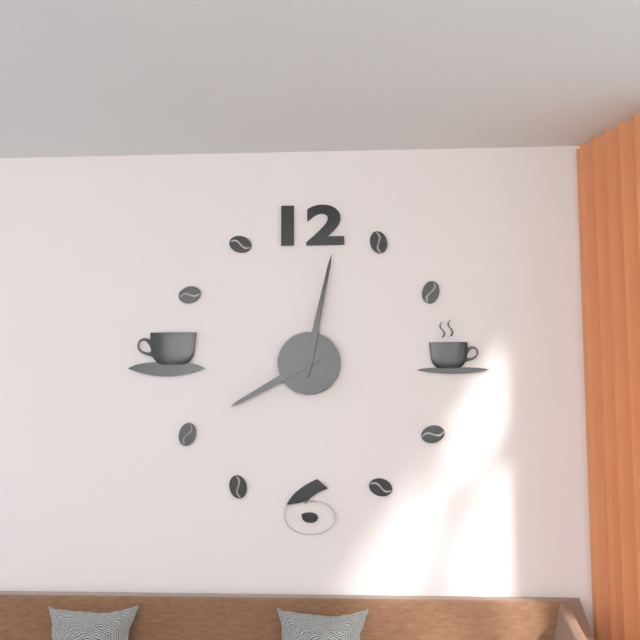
8:02
